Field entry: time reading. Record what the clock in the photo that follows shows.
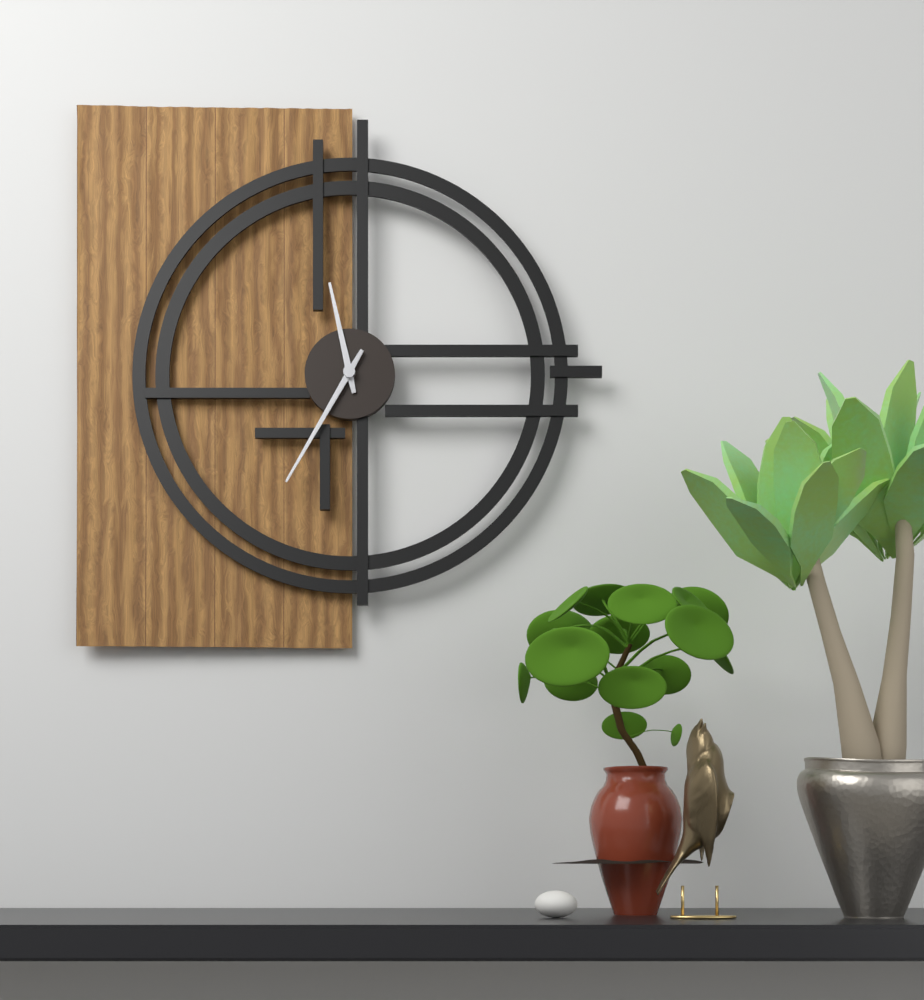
11:35
